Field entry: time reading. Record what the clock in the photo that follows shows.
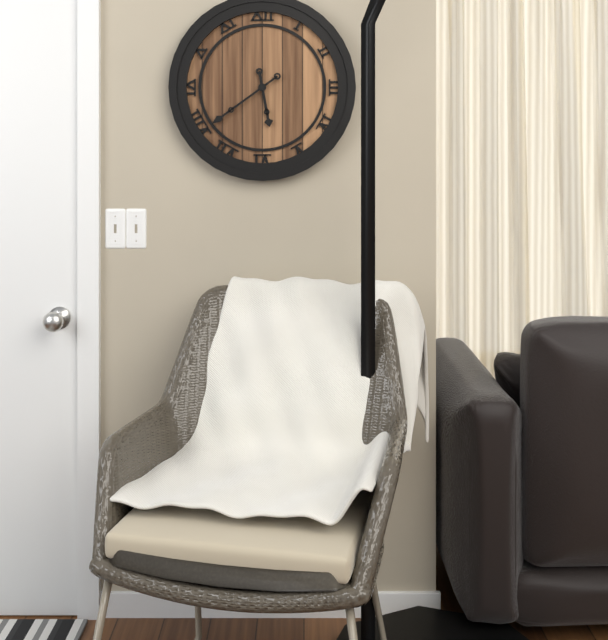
5:39
